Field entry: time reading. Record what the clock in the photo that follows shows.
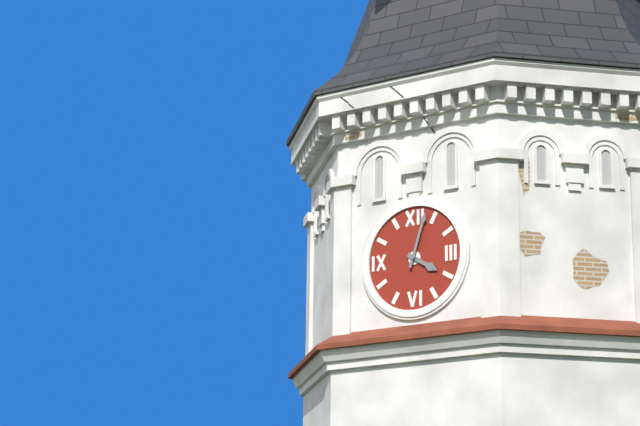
4:03
